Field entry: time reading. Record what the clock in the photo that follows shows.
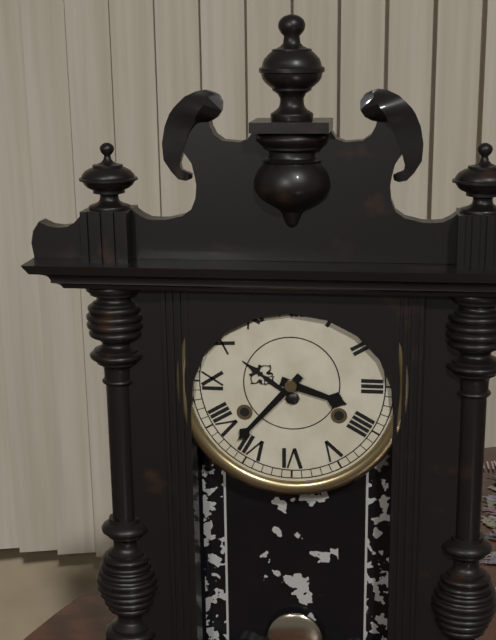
3:37
